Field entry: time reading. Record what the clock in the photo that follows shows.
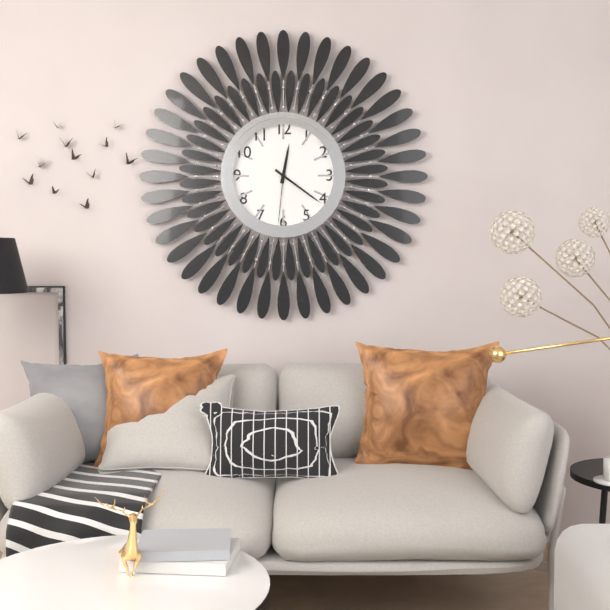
12:21:31
